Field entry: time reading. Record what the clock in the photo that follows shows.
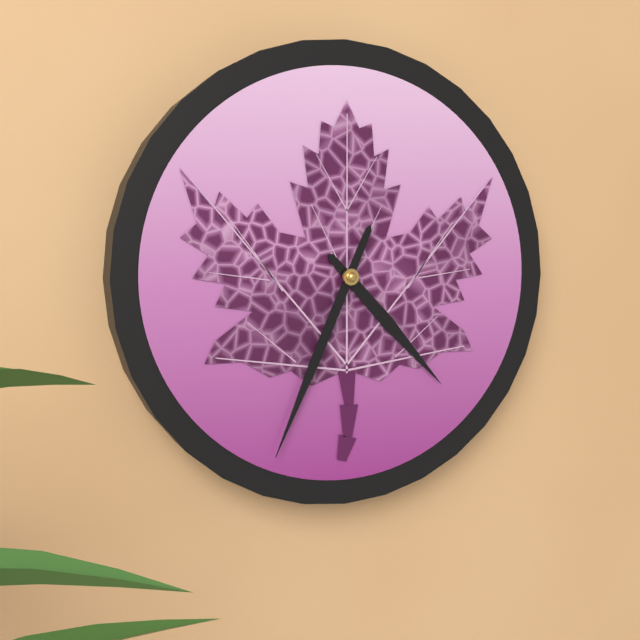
4:34
